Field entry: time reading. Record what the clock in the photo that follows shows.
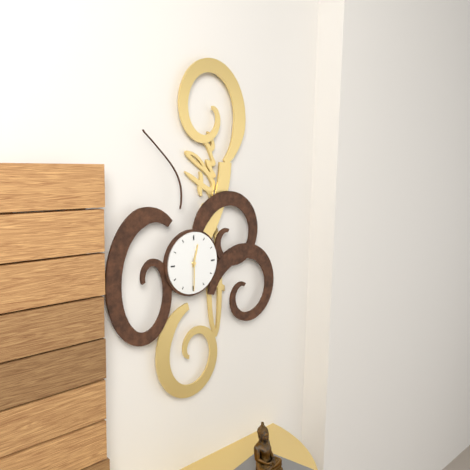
12:30
